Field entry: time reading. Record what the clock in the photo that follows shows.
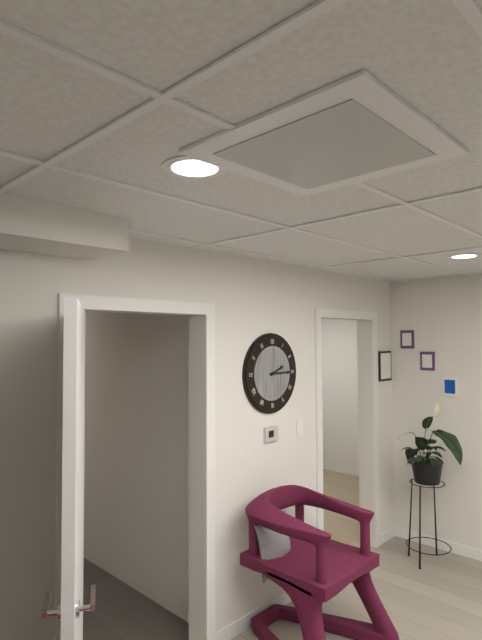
2:15
